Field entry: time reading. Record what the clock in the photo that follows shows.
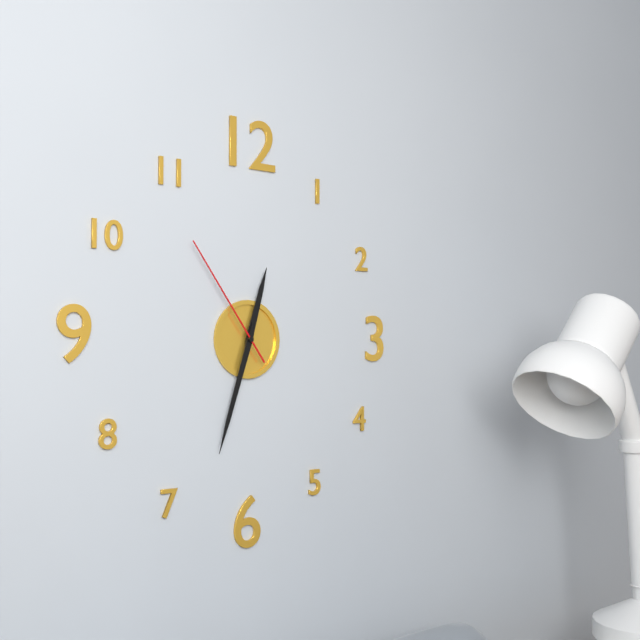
12:33:54
